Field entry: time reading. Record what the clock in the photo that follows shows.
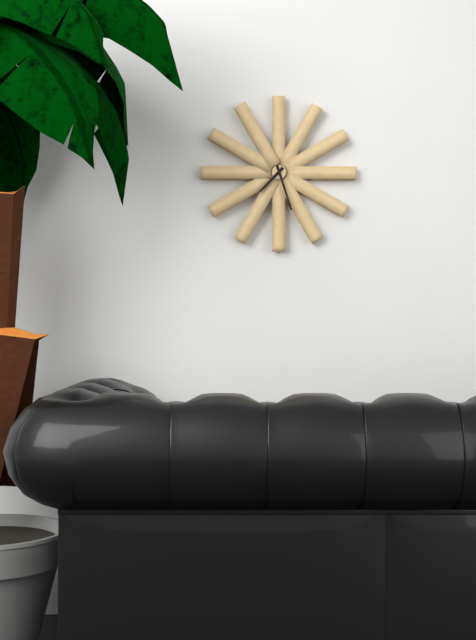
7:27
